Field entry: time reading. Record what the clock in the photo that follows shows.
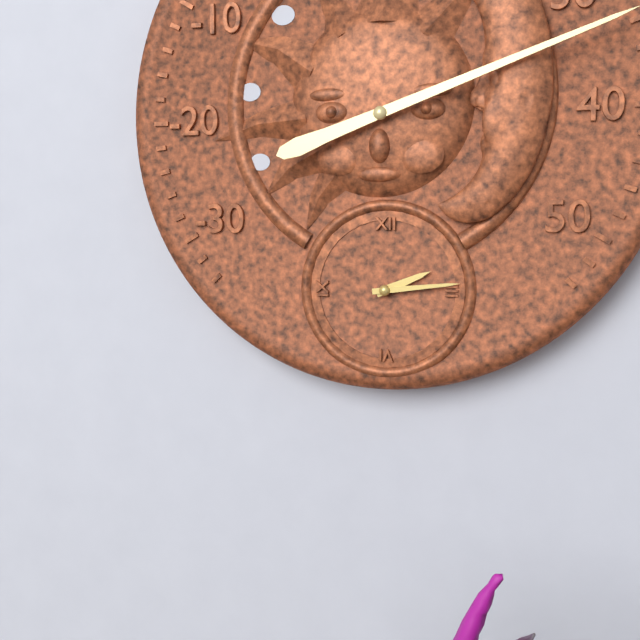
2:14
